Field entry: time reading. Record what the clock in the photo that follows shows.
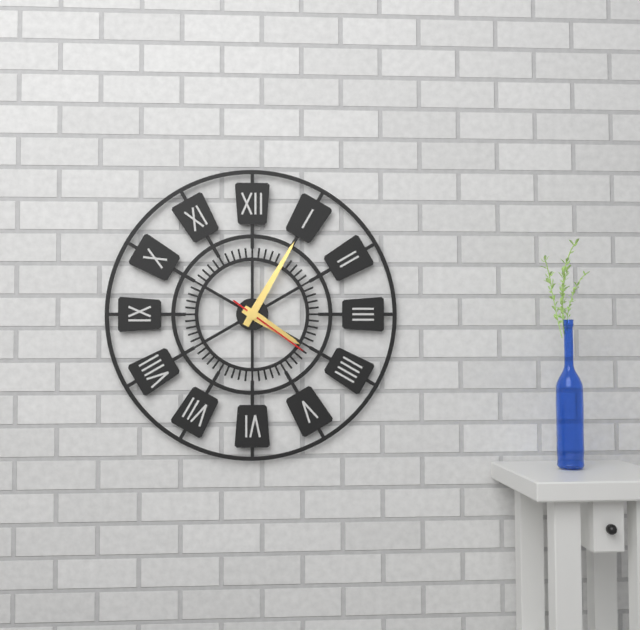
4:05:21
